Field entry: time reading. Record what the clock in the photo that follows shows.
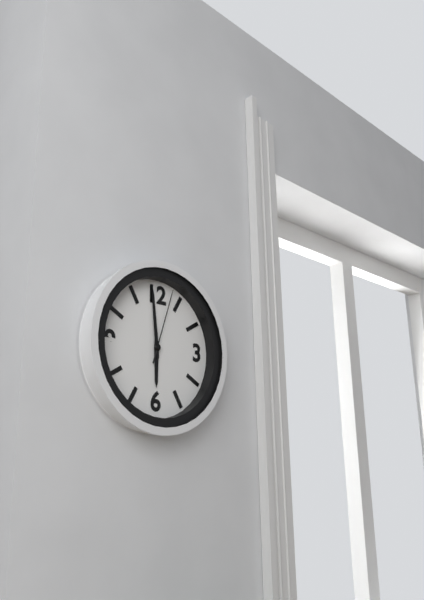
5:59:03
